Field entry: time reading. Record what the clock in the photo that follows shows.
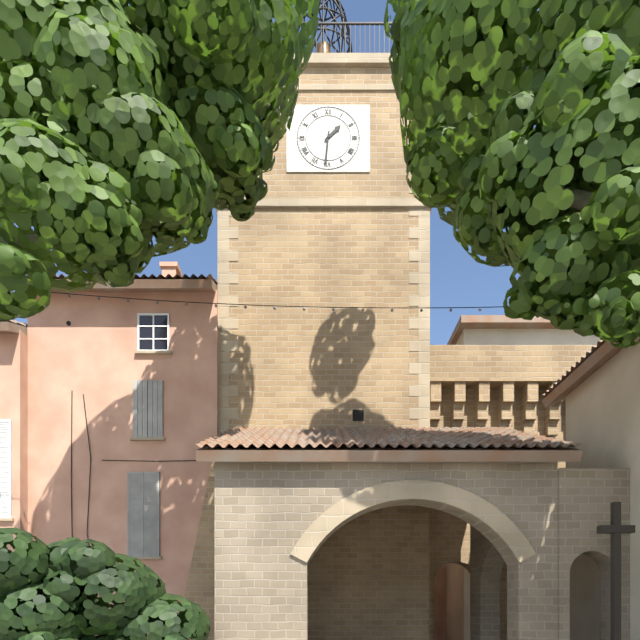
1:31
